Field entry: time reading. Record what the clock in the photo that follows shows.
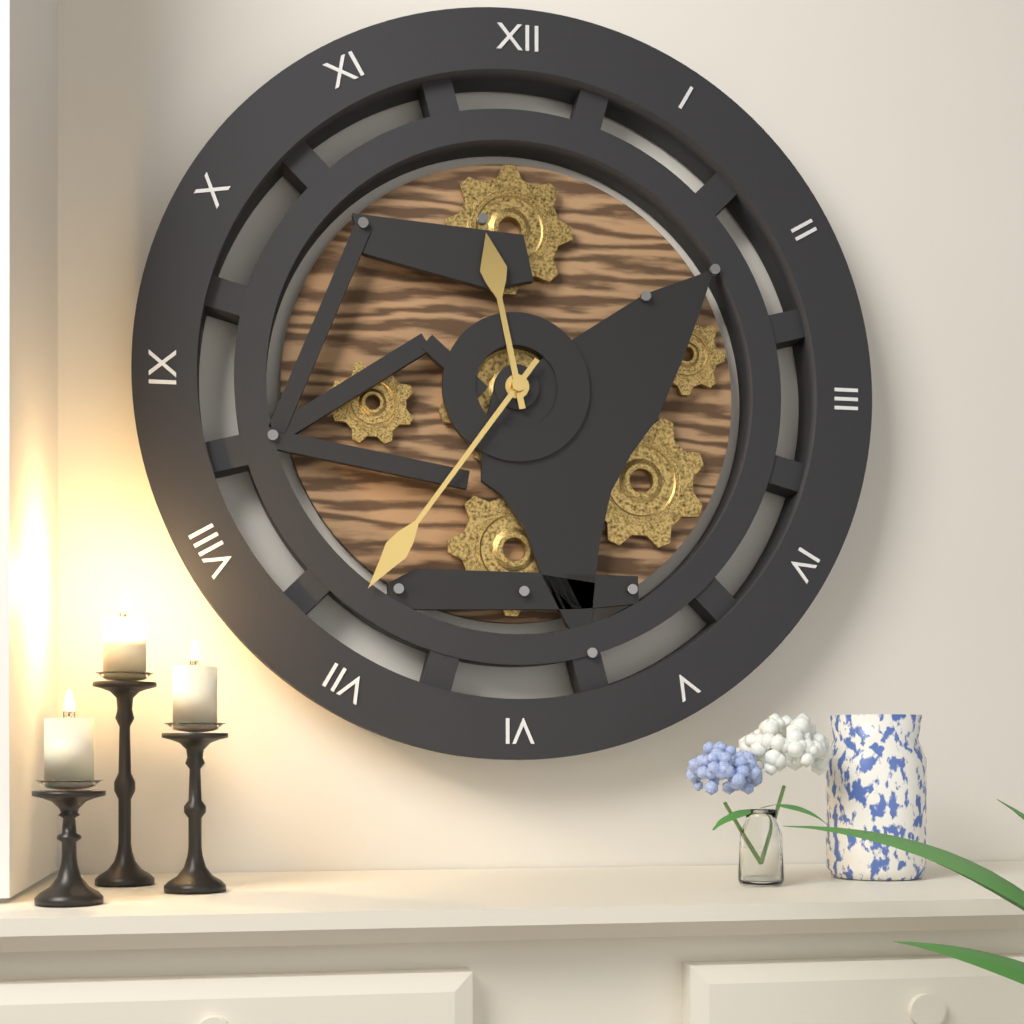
11:36
